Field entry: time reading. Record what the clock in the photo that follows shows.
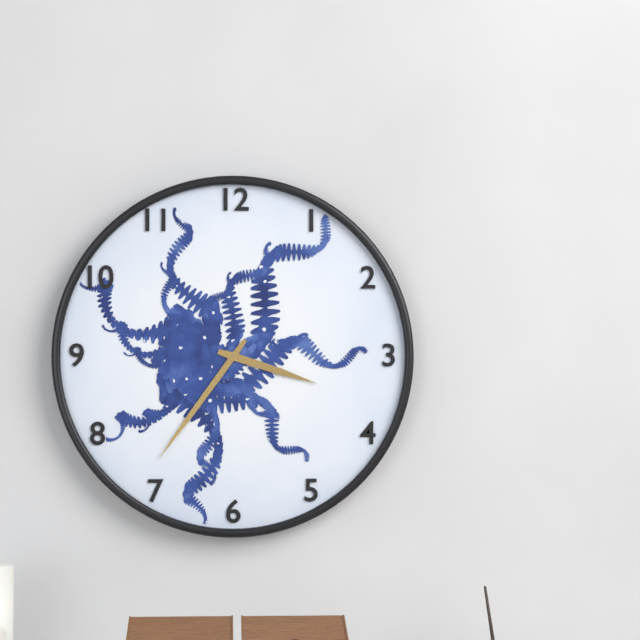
3:36
